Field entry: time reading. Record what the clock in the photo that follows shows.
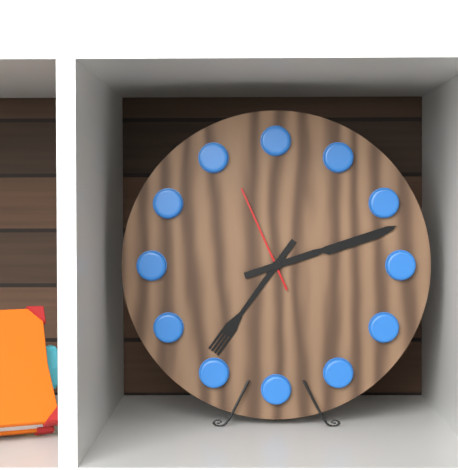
7:12:56
